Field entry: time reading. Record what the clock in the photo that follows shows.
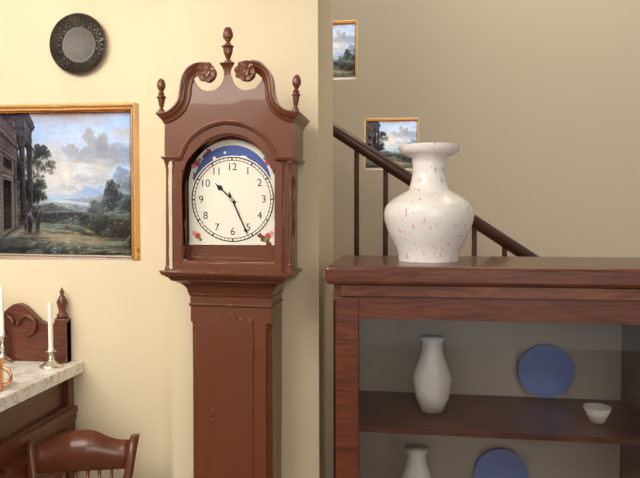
10:26
